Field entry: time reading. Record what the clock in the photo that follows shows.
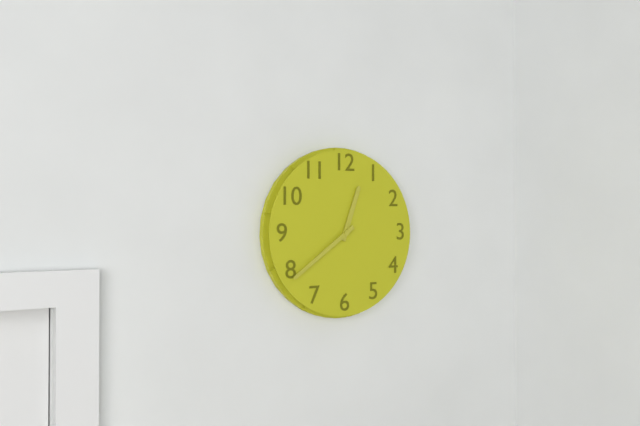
12:39
